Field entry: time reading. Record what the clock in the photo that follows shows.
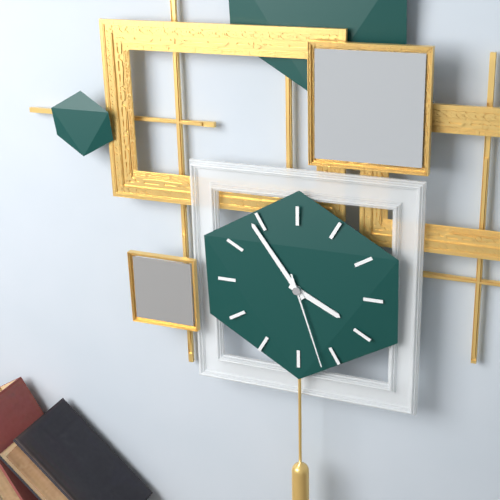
3:54:27
